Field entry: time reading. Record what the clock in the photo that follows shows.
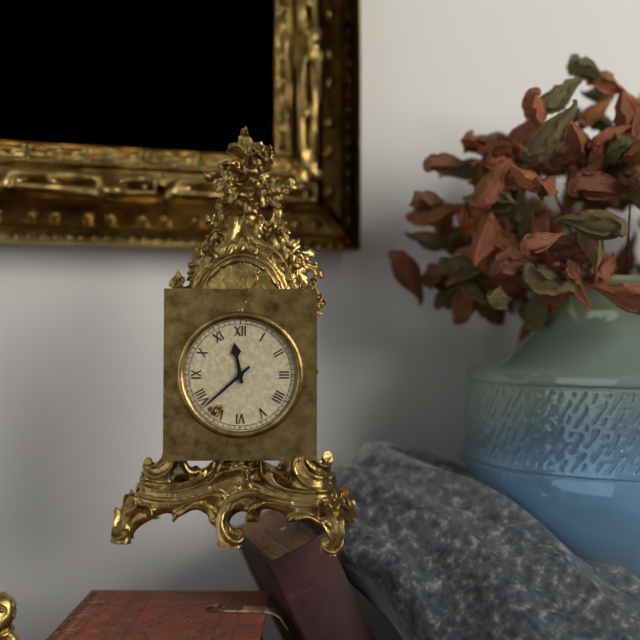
11:38
